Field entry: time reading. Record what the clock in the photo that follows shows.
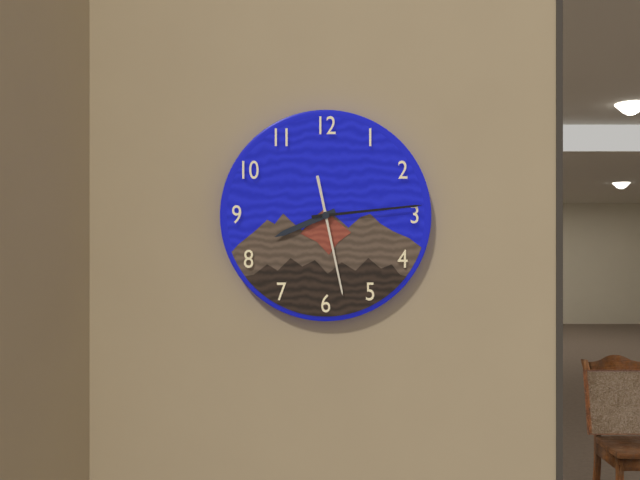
8:14:28
